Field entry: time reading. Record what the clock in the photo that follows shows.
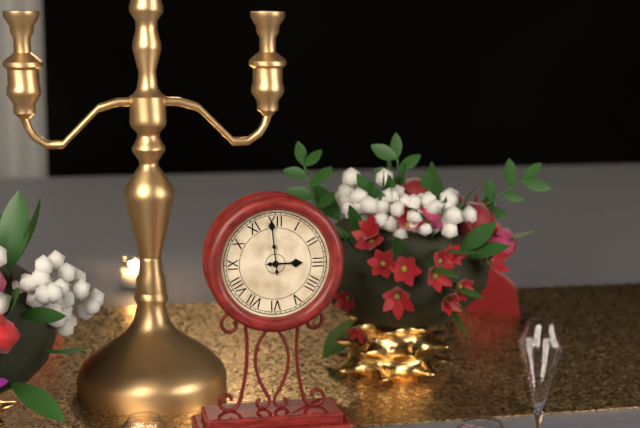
2:59
